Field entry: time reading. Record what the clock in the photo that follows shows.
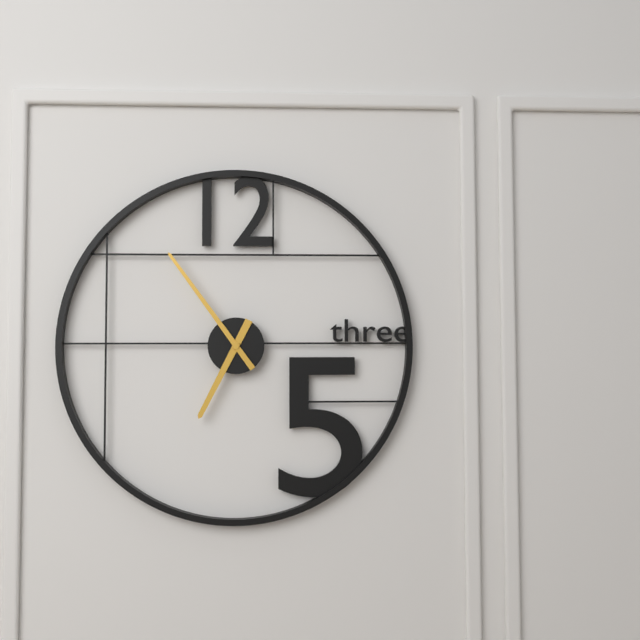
6:54
